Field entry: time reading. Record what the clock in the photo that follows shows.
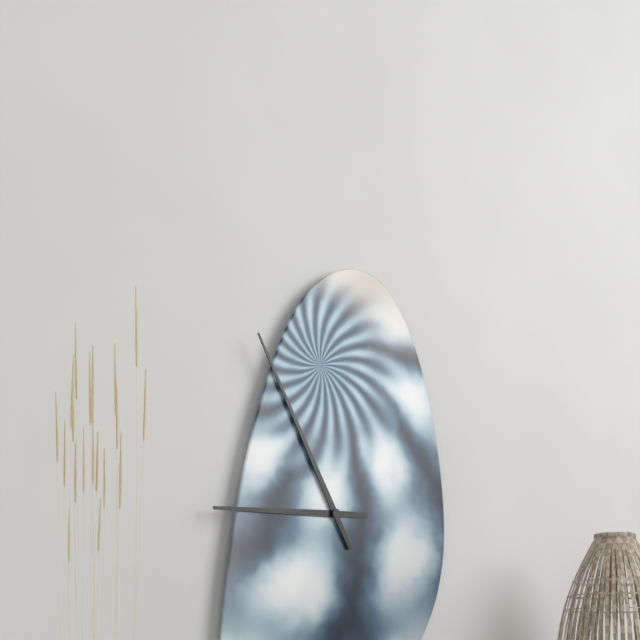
8:55
